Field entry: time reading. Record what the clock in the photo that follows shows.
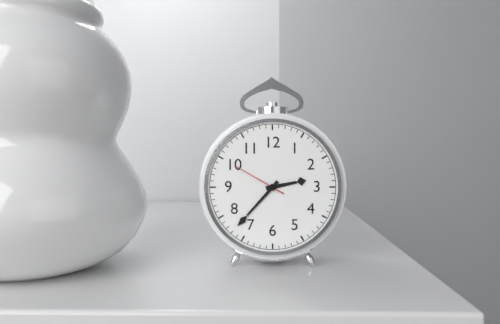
2:37:50
